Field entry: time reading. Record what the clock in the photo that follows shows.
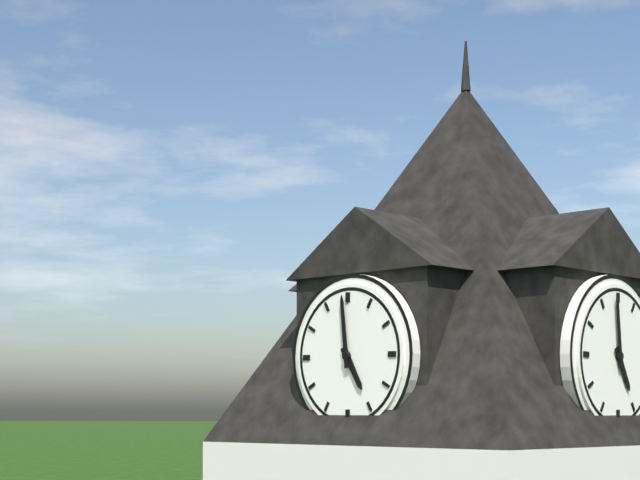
4:59
